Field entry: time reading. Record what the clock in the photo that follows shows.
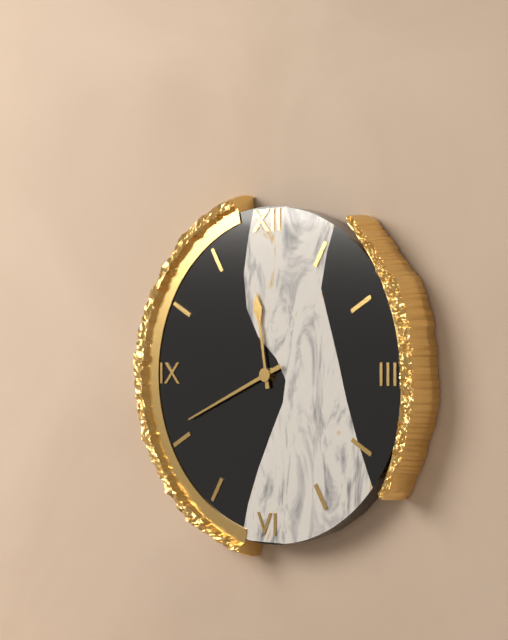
11:41
